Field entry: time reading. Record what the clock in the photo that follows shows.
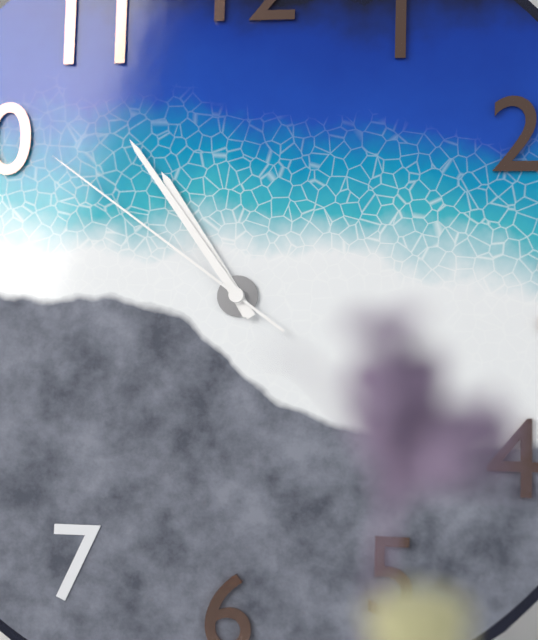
10:54:51
